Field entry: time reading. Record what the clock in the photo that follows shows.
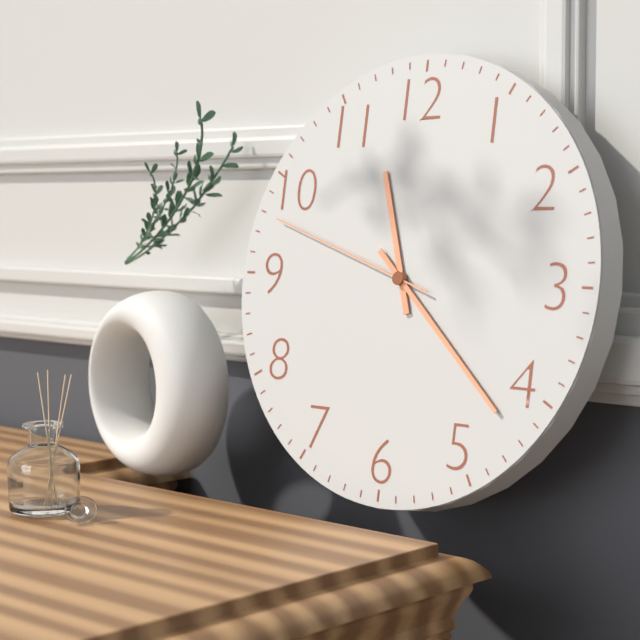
11:22:48
